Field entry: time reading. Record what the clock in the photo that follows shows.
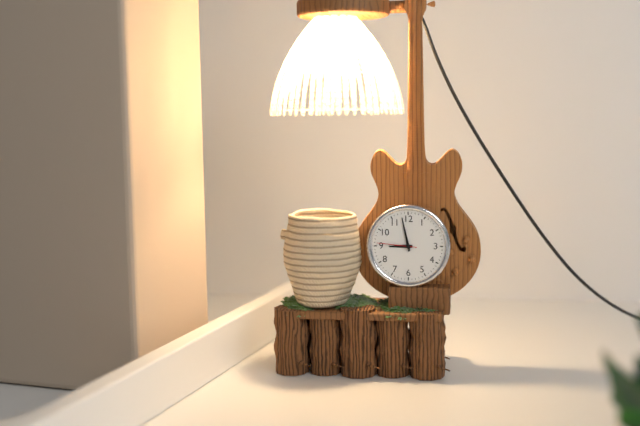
8:58
